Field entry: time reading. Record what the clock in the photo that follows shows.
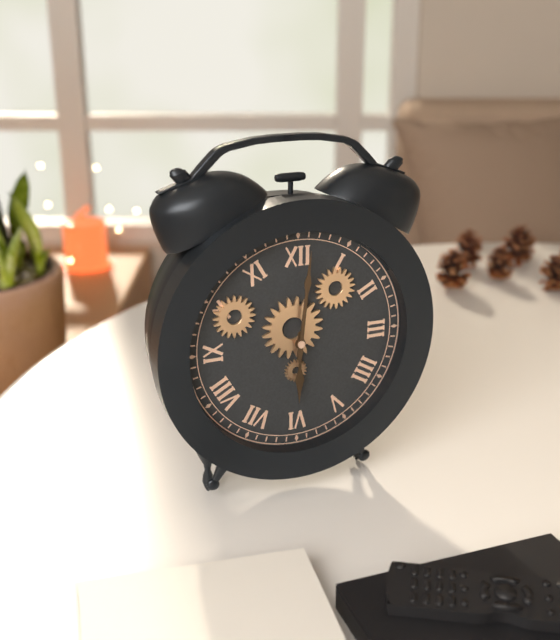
6:01
